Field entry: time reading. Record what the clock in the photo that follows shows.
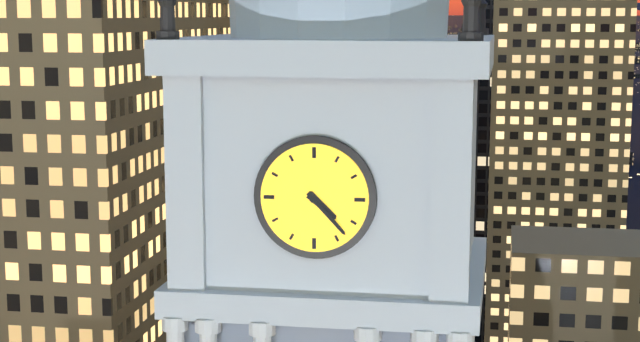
4:23
